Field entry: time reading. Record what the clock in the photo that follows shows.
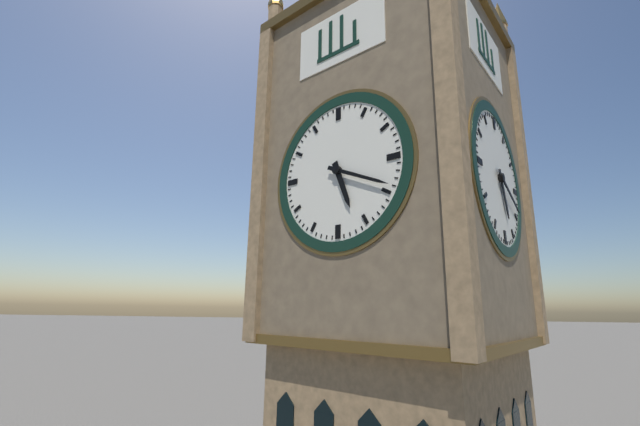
5:19
